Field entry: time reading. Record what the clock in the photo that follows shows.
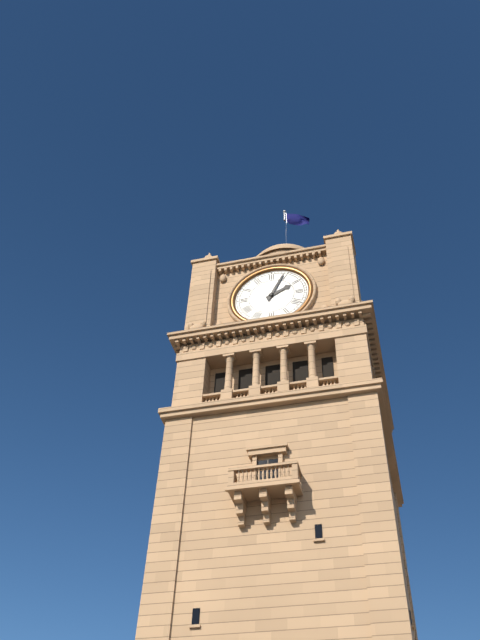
2:04
